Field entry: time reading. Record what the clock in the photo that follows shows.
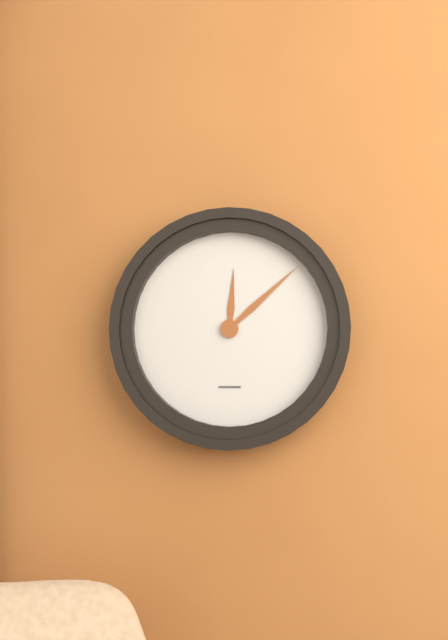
12:08
